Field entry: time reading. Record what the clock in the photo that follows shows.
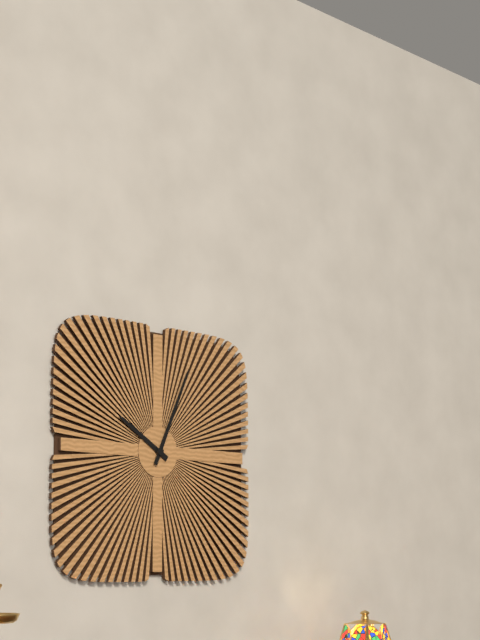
10:04
